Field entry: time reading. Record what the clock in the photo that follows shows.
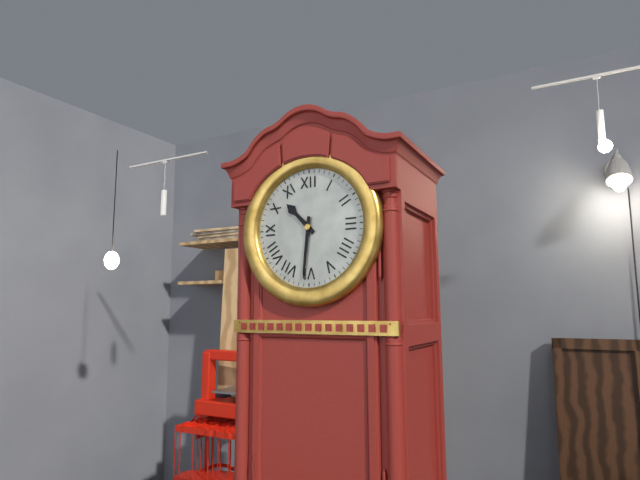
10:31
